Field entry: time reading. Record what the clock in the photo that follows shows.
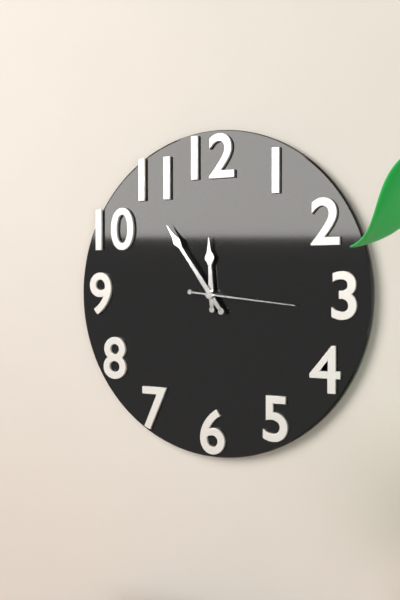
11:54:16
